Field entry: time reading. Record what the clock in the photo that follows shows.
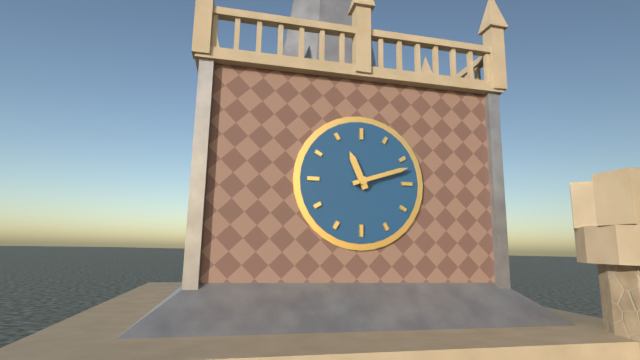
11:12
